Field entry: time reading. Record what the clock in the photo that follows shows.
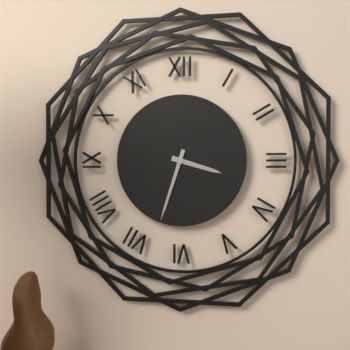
3:33
